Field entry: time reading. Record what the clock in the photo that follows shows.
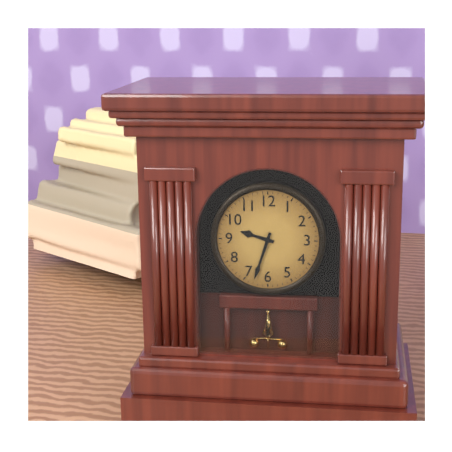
9:33
